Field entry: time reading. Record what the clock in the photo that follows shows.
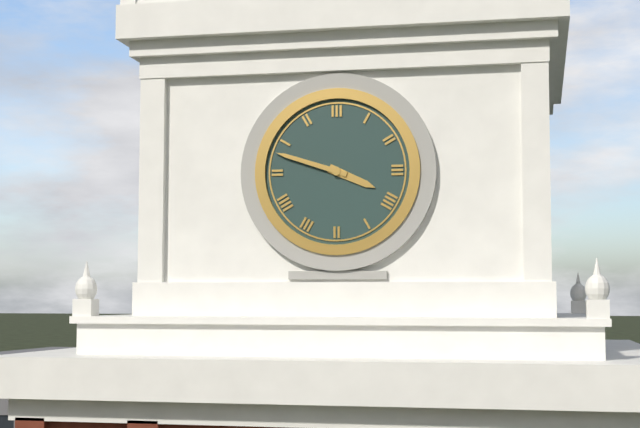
3:48
